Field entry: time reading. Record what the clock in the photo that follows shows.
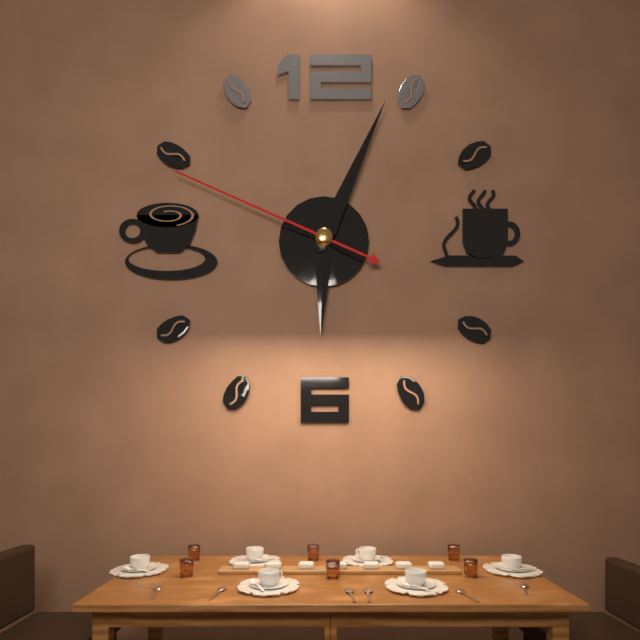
6:04:49
